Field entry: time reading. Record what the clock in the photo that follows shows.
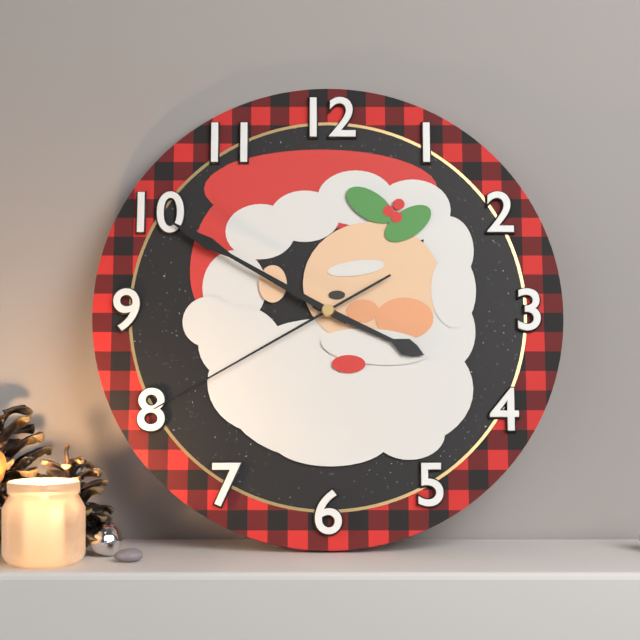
3:50:40
